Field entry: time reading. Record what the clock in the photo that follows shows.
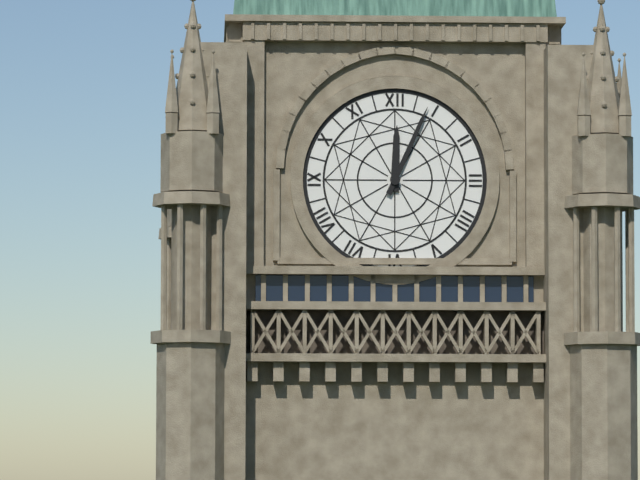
12:04
